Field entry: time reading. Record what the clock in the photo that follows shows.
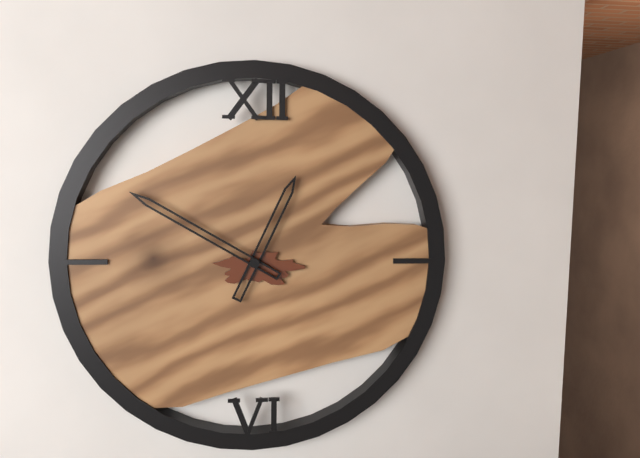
12:50
